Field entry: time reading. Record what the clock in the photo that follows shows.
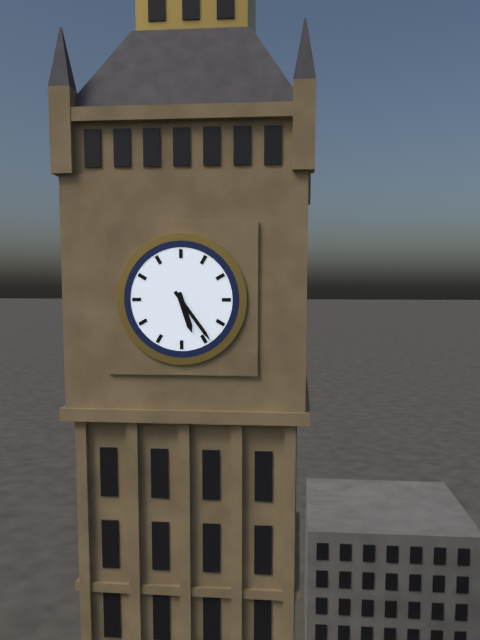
5:24
